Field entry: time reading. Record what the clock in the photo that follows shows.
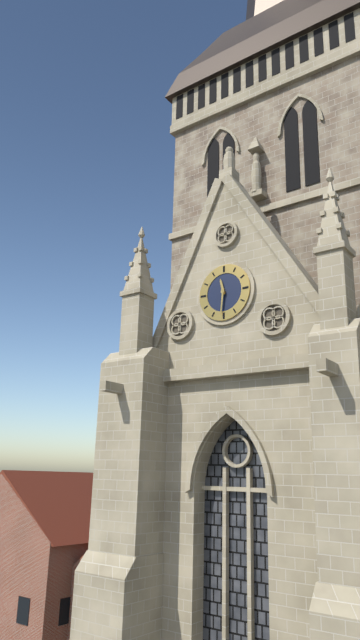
11:31
